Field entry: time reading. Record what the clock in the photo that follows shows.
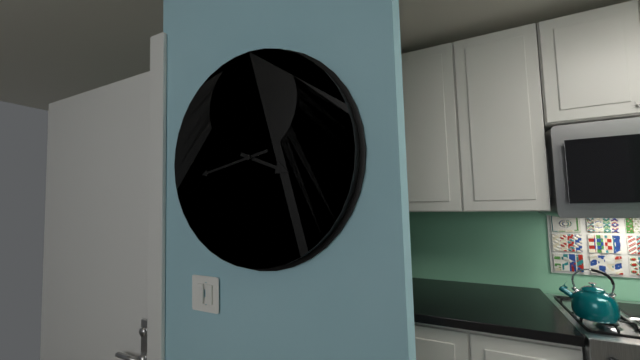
3:43
